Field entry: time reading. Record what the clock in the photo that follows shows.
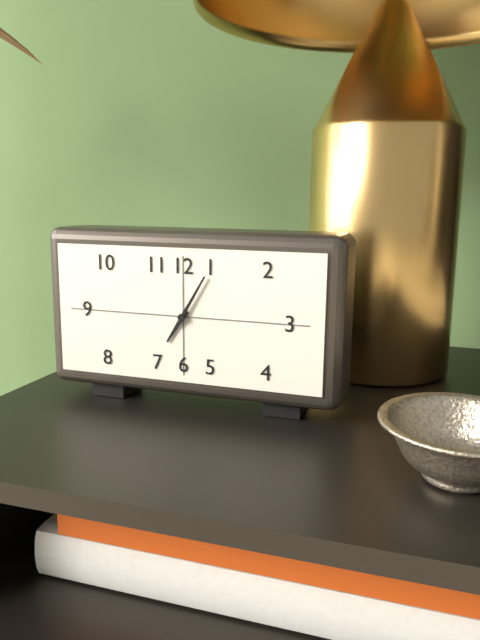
7:05
